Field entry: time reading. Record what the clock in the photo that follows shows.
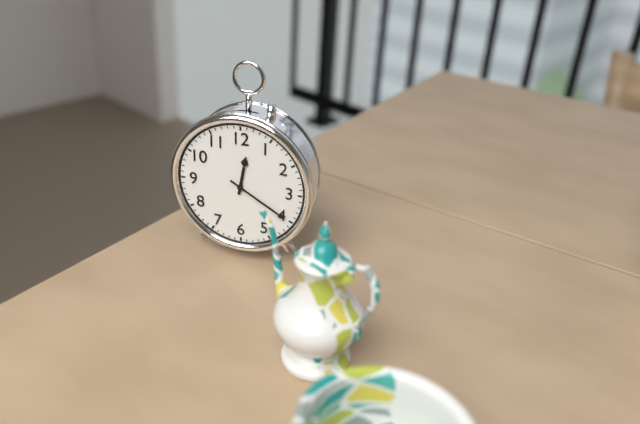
12:20
